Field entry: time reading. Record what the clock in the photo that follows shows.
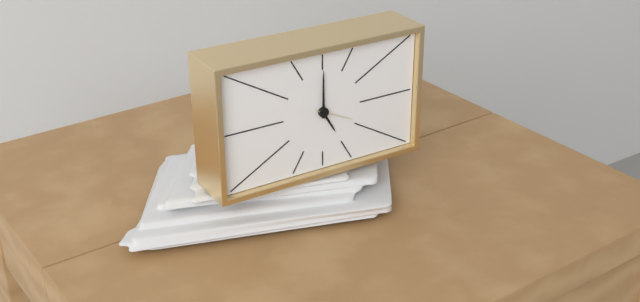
5:00
